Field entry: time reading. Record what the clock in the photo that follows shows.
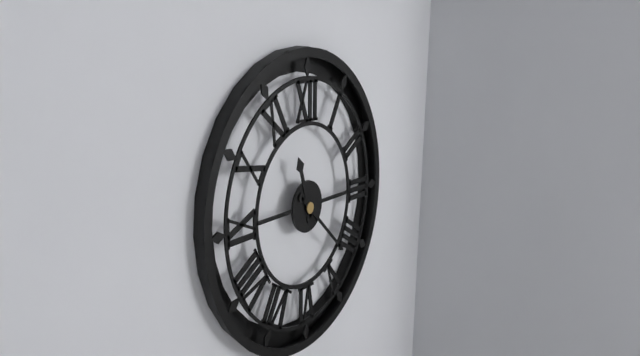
11:22
